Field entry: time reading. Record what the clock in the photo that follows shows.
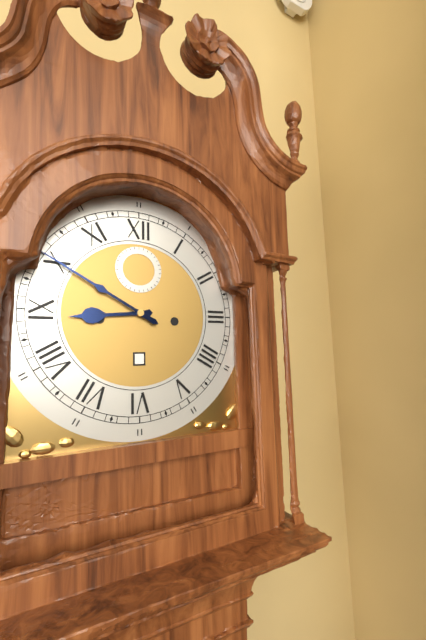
8:50
